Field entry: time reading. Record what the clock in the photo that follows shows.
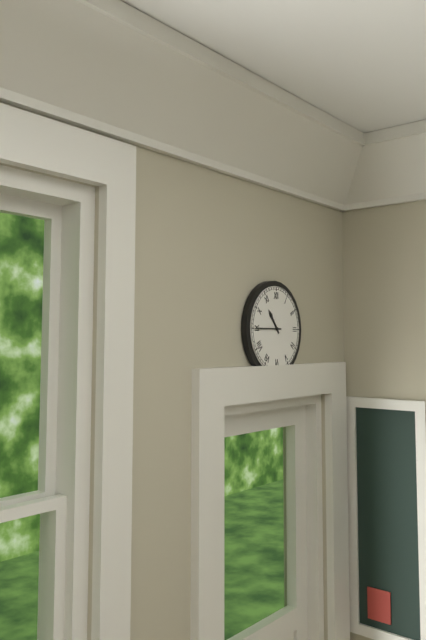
10:45
